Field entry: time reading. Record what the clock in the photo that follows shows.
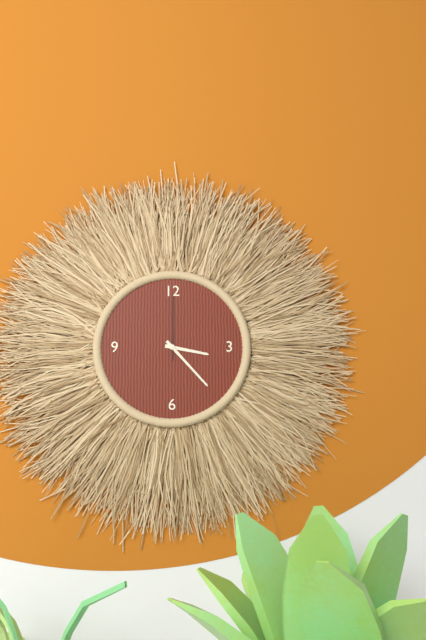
3:23:00
